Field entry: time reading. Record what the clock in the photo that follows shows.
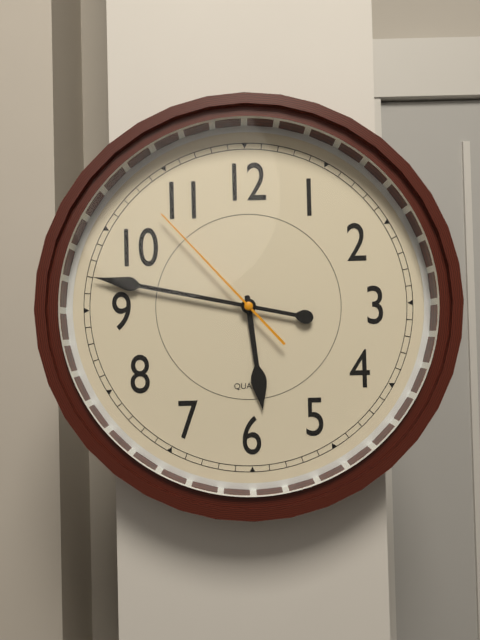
5:47:53
